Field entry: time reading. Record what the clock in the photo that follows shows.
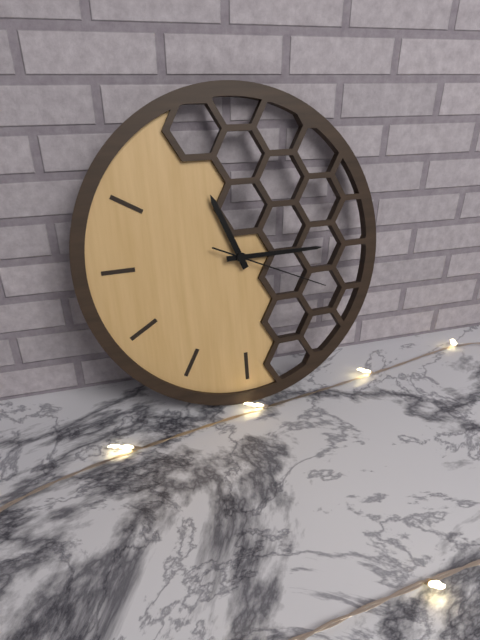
11:15:19
